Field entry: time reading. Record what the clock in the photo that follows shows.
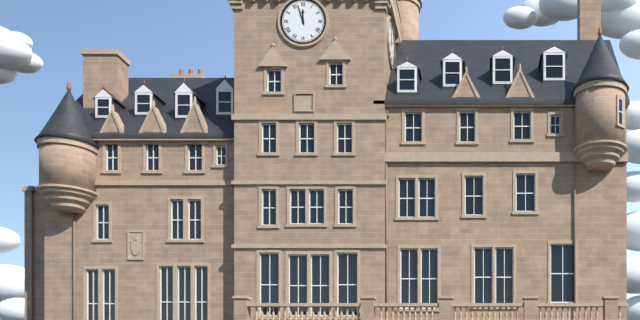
11:57
